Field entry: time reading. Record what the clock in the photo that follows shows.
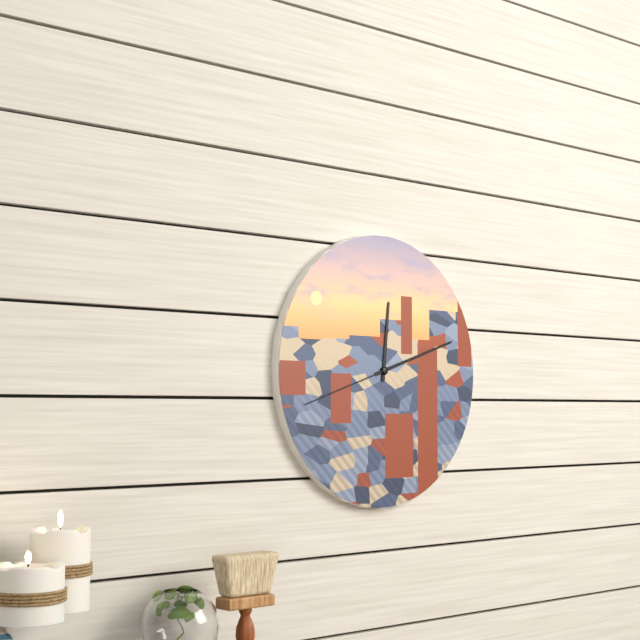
12:12:42
